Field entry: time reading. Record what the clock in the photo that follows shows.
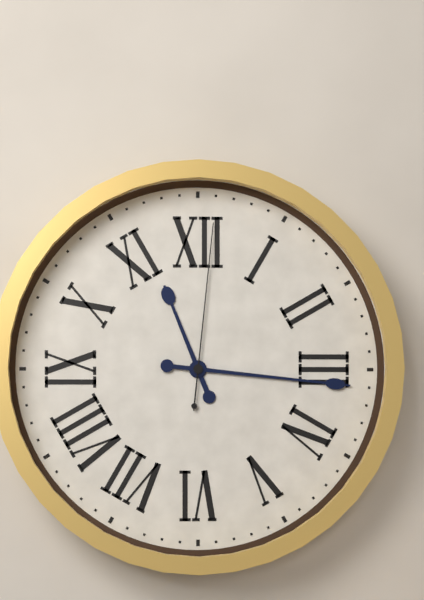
11:16:01
